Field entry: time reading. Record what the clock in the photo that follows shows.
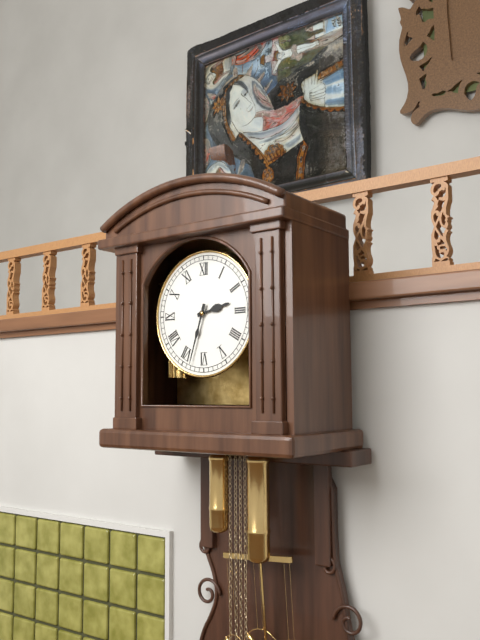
2:33
